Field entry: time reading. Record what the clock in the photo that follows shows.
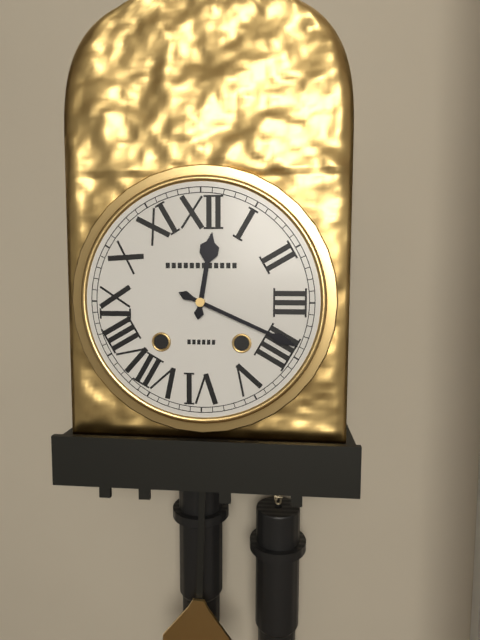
12:19
